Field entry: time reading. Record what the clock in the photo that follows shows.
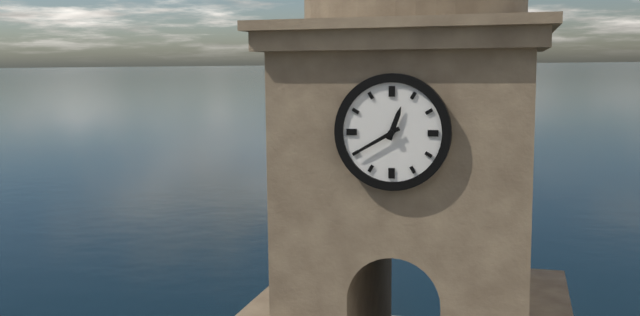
12:40
